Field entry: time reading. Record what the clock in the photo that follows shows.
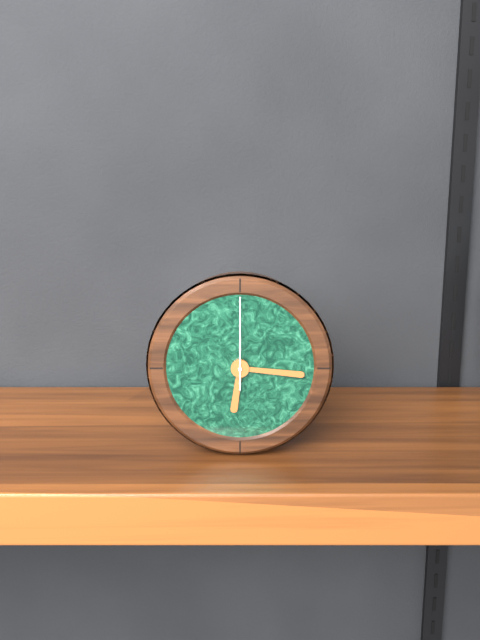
6:16:00
